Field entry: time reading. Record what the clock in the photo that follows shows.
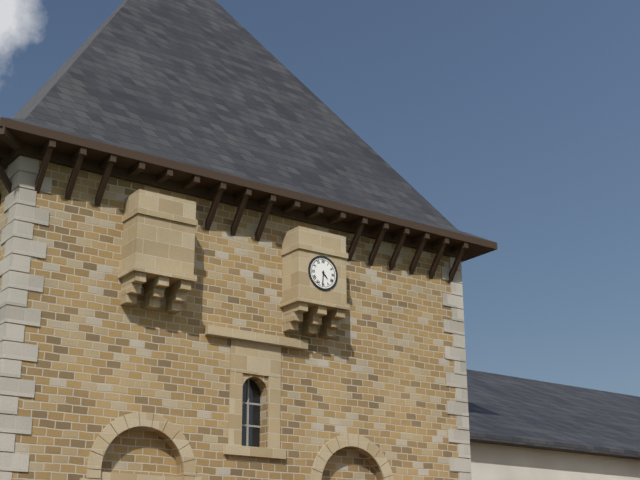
4:31
